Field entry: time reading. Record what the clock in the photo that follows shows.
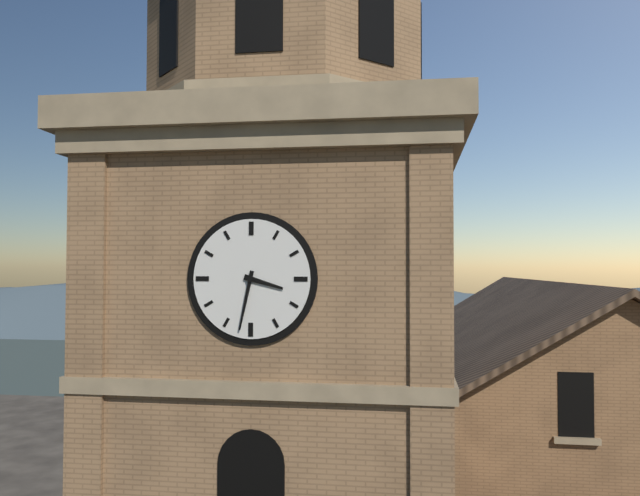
3:32
